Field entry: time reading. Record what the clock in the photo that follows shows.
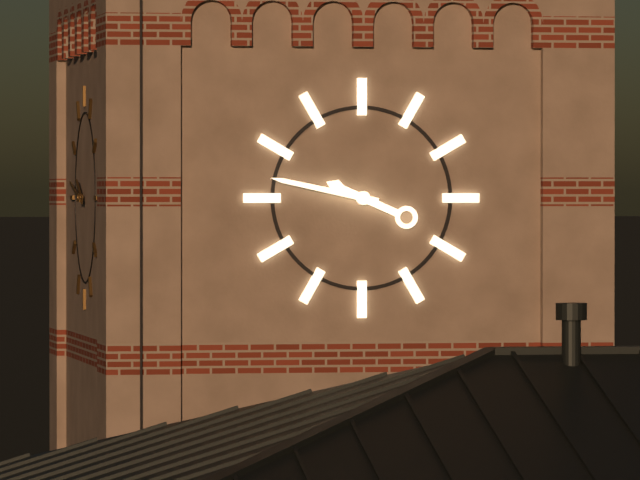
9:47
